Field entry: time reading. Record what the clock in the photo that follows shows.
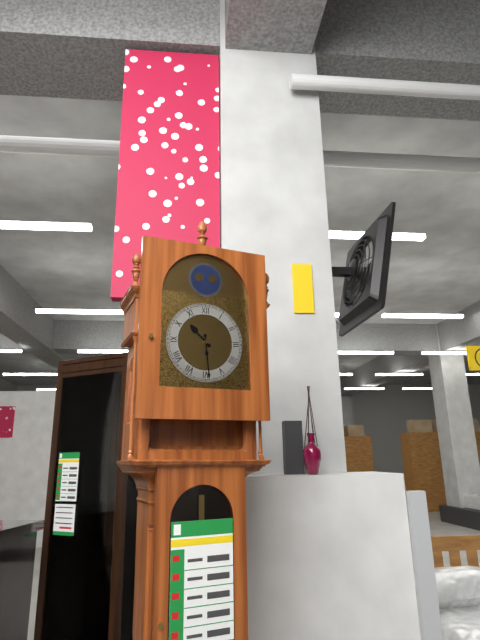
10:29
